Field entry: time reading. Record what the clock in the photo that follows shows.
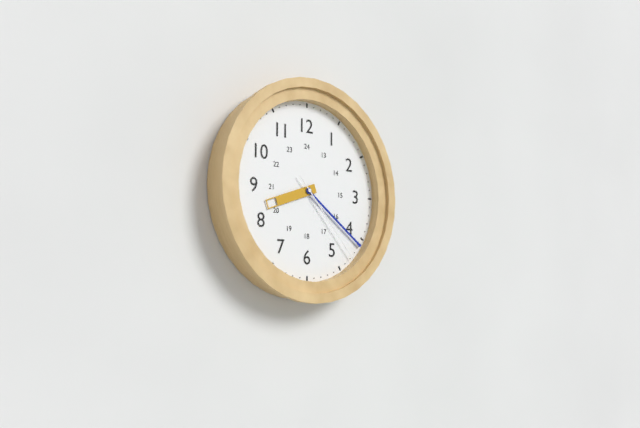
8:21:23
